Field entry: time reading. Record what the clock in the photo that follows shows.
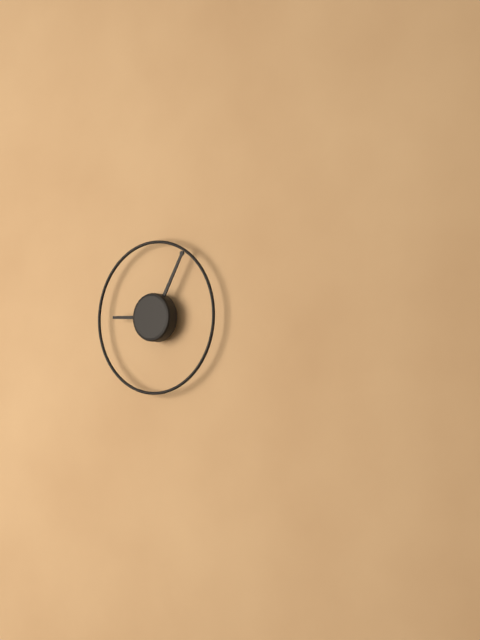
9:05
